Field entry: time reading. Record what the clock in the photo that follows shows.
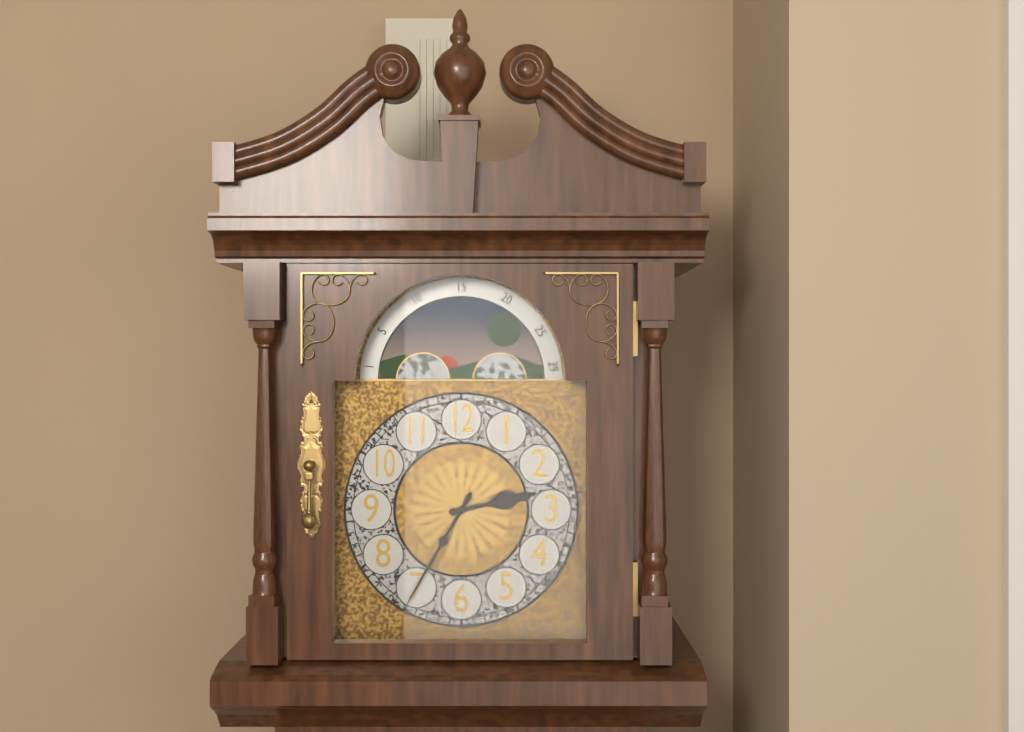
2:35
